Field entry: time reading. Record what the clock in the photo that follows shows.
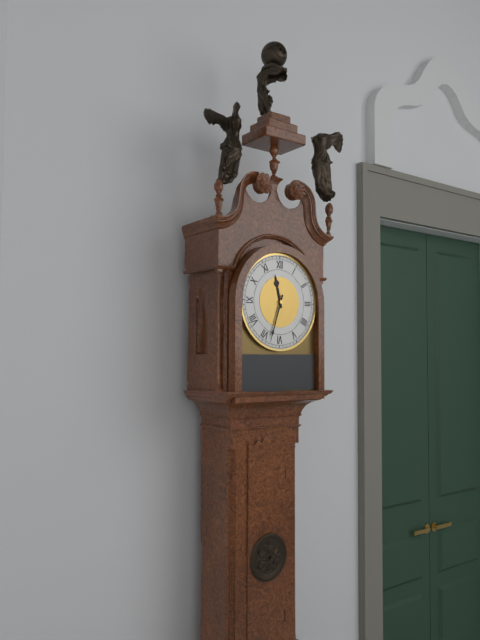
11:33
